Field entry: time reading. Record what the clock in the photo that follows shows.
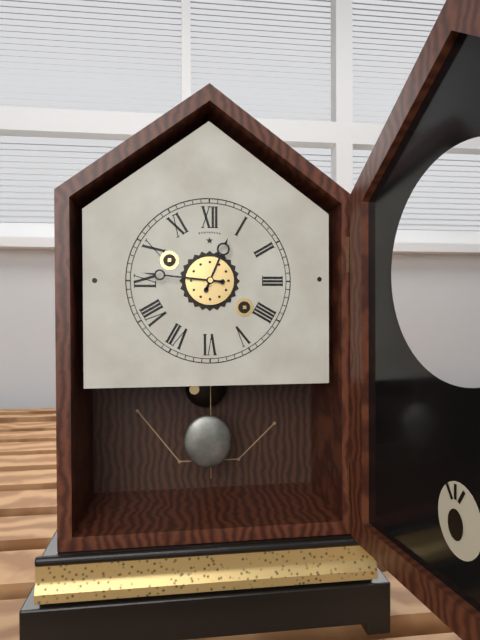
12:46
